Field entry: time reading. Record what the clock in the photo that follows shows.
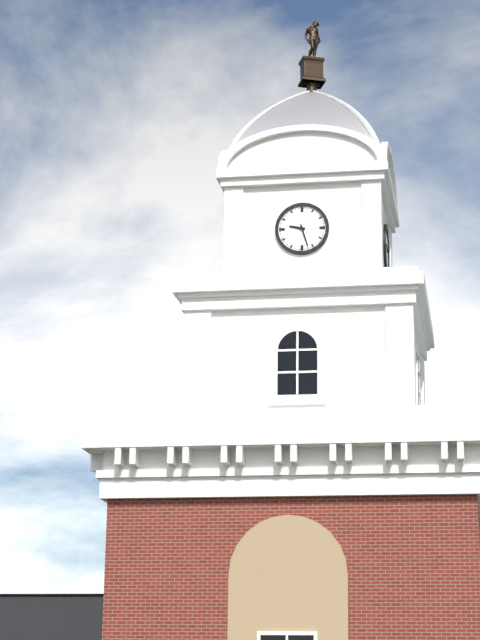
9:27
